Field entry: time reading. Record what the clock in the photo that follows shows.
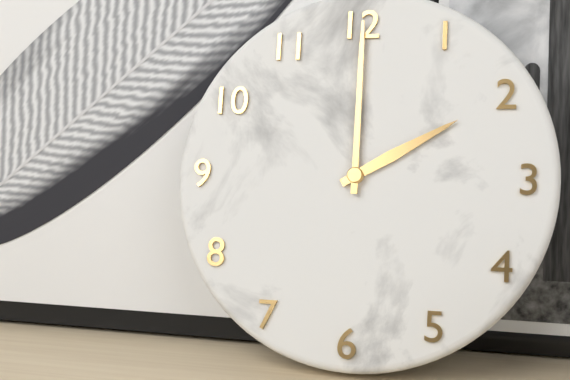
2:00
